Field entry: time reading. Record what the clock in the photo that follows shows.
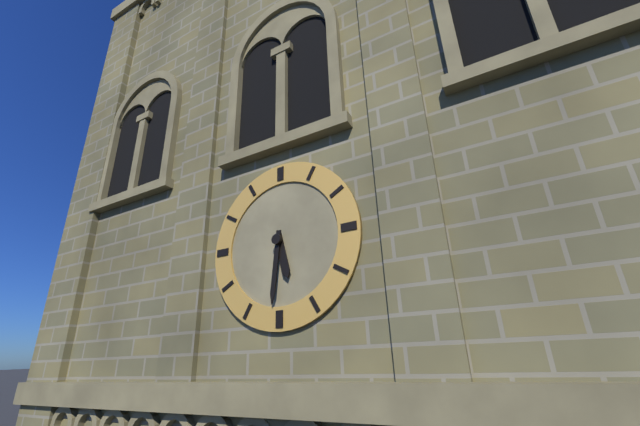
5:31
